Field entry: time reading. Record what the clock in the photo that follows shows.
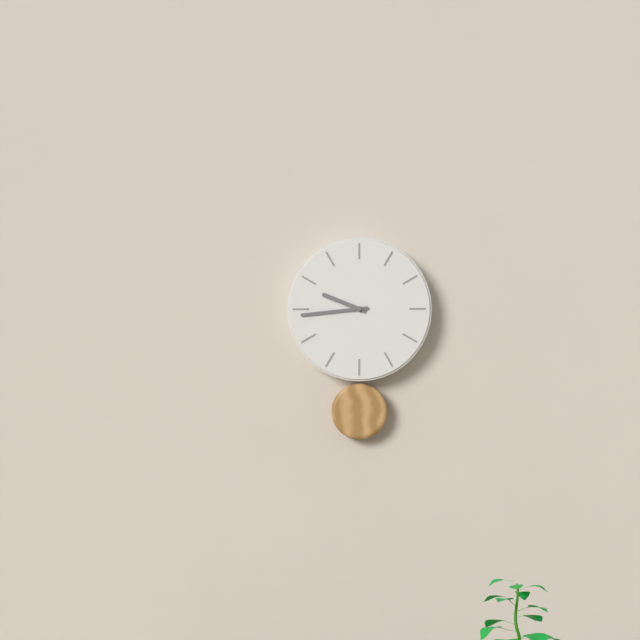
9:44
